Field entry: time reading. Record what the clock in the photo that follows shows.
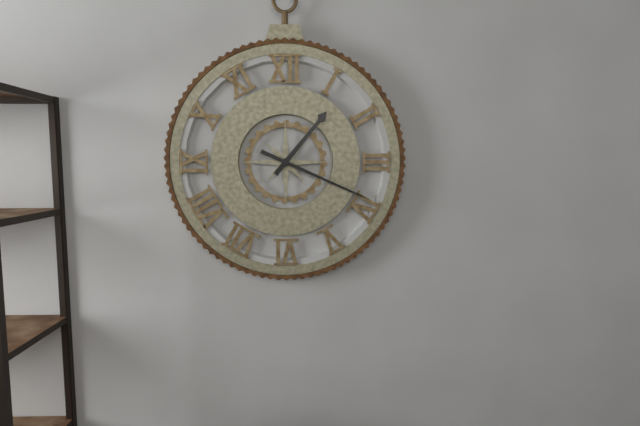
1:19
